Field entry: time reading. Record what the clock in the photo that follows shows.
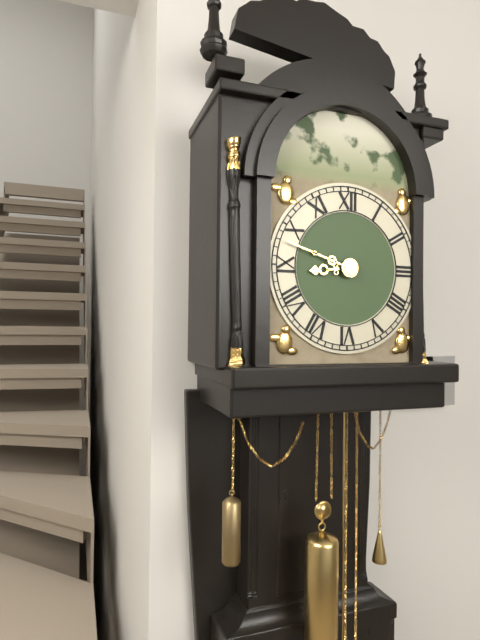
8:48
